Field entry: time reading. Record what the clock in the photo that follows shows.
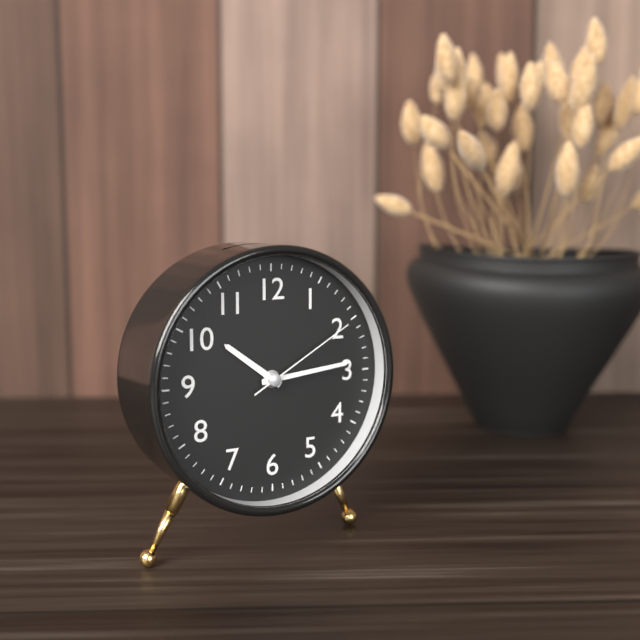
10:14:10
